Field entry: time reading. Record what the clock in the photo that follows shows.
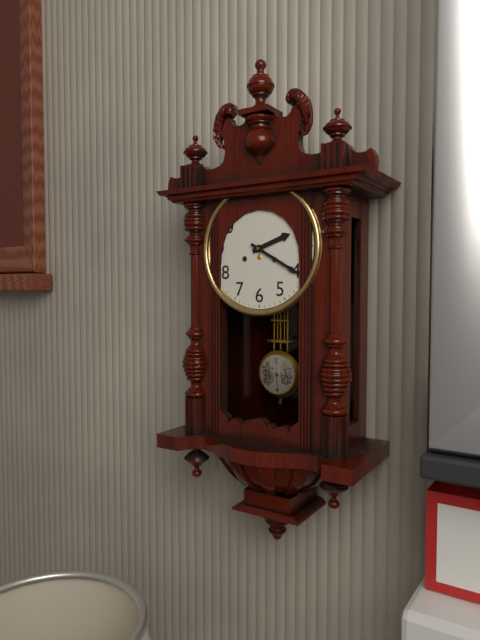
2:20
